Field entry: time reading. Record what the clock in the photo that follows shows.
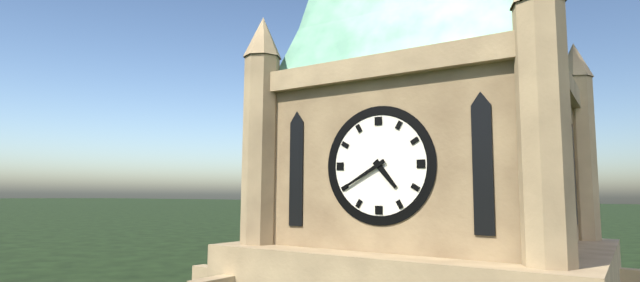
4:40
